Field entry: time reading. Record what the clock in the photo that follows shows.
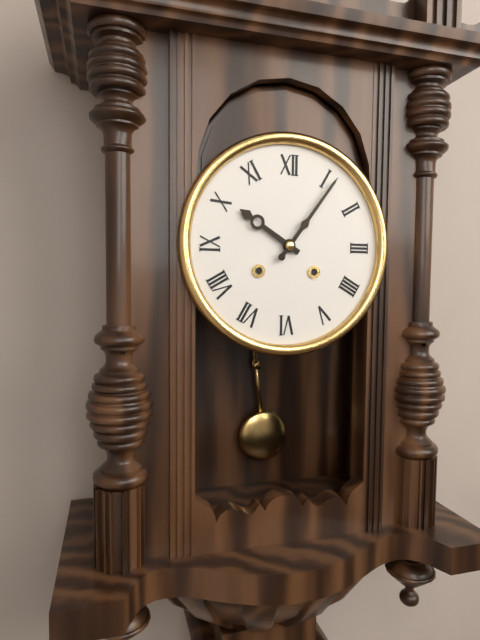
10:06
